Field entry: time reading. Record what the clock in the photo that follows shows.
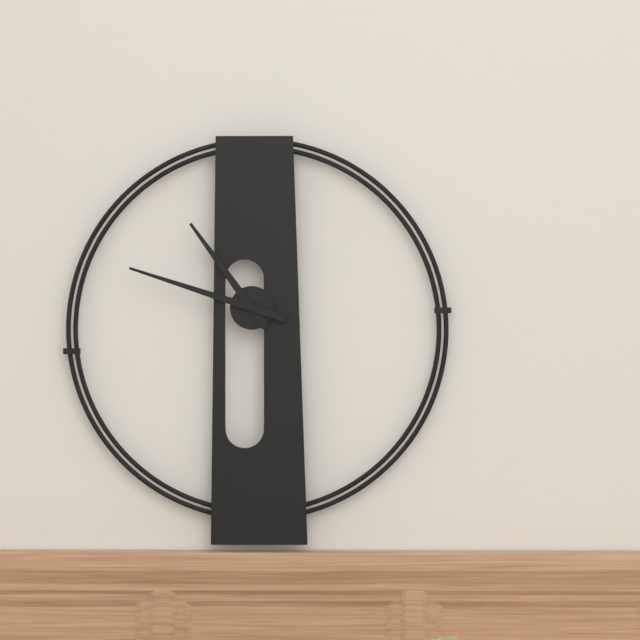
10:48
